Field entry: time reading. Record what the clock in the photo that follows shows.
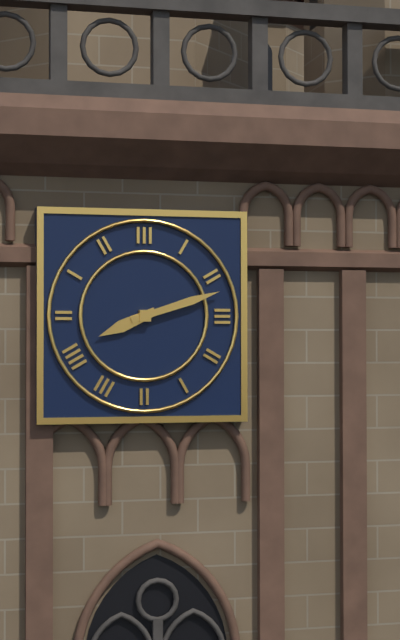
8:12
